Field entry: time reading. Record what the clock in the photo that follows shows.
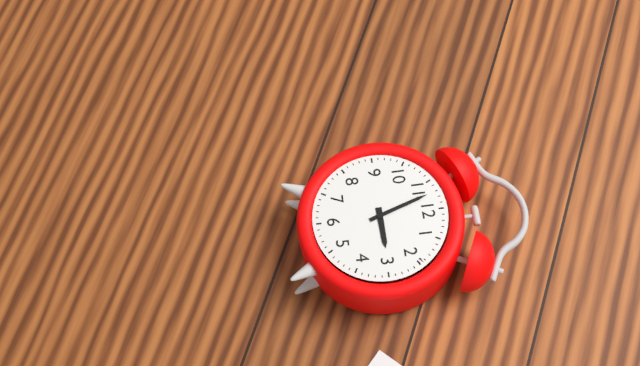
2:57
